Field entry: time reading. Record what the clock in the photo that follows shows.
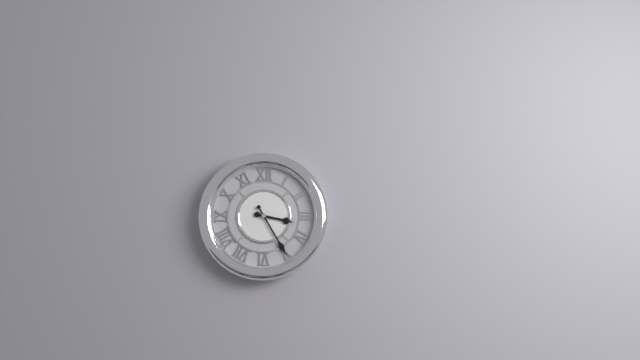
3:25
